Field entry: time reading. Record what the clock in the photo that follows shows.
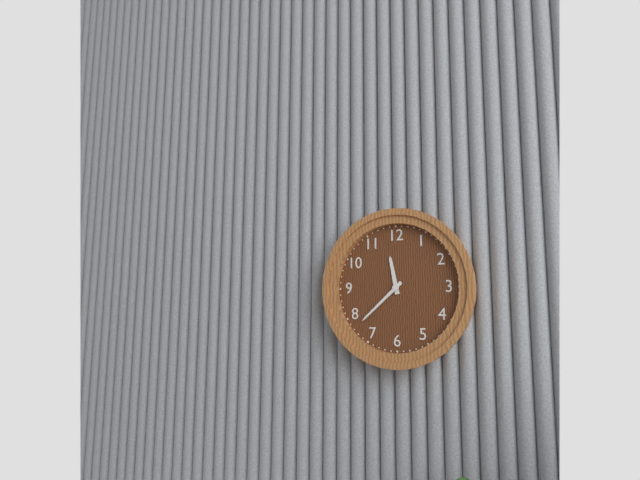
11:38
